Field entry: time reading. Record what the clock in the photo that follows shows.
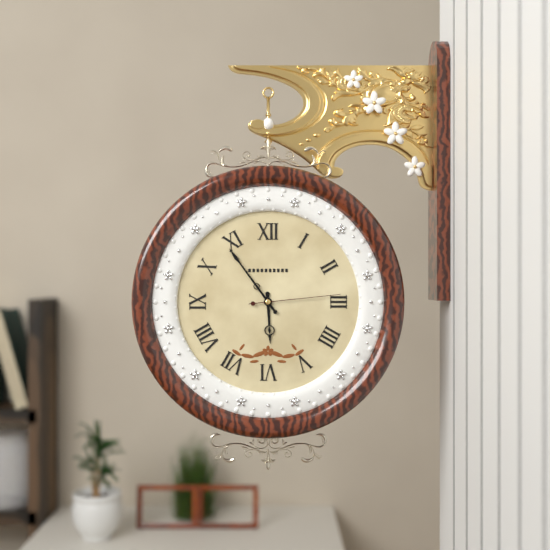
5:54:14
